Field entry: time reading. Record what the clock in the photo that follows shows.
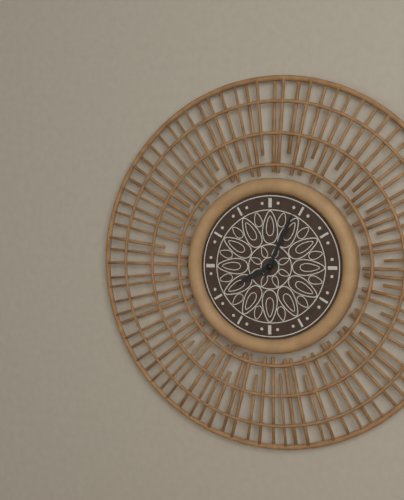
8:04
